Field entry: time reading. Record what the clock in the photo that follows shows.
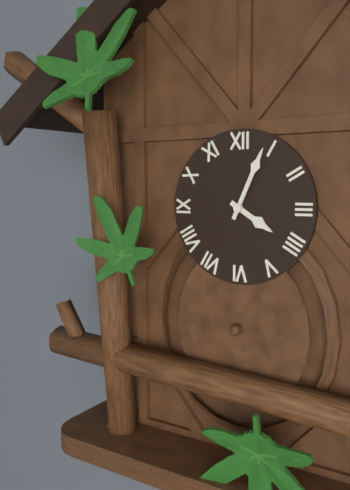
4:04
